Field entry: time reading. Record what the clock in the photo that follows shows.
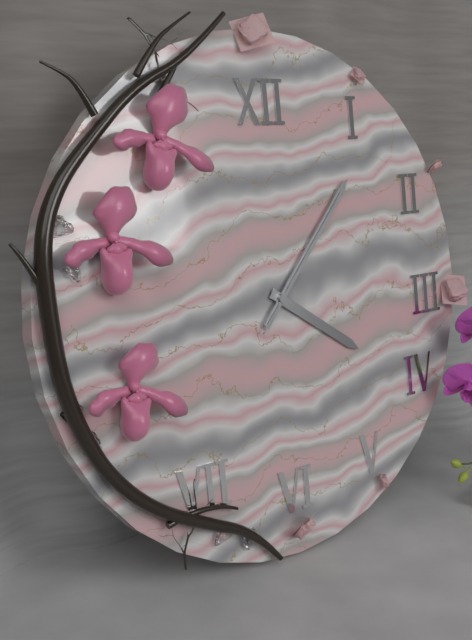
4:07:07
